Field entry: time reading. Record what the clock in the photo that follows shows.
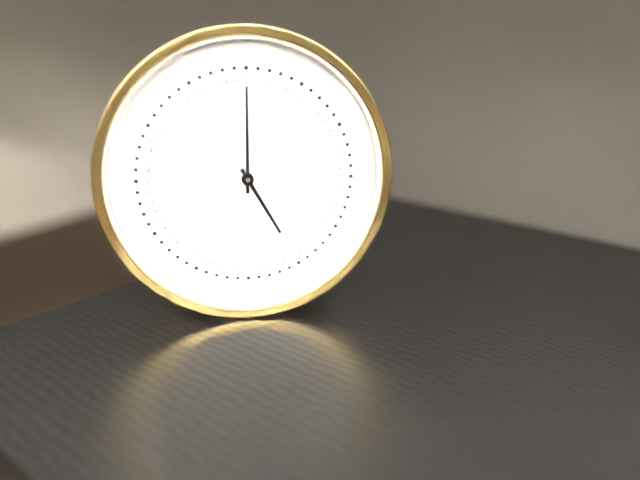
5:00
